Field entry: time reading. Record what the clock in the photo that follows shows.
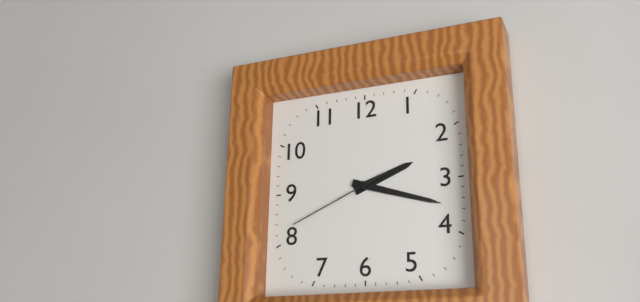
2:18:41
